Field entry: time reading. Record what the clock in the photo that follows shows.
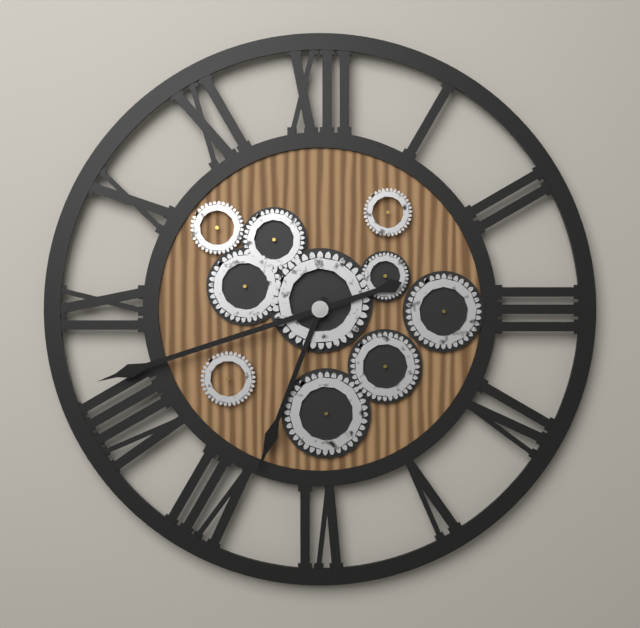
6:42
